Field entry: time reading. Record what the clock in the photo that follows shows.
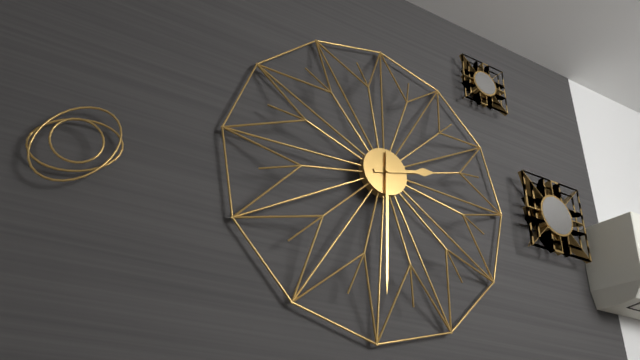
2:30
